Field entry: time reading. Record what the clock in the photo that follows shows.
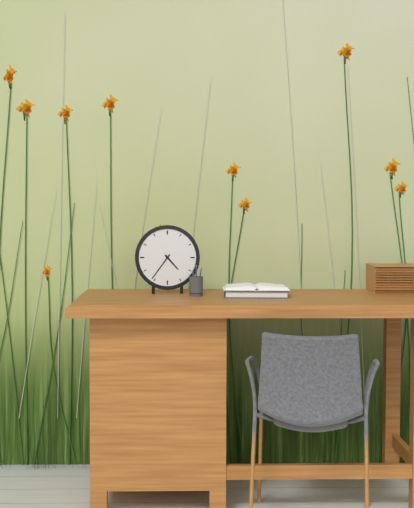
4:36
